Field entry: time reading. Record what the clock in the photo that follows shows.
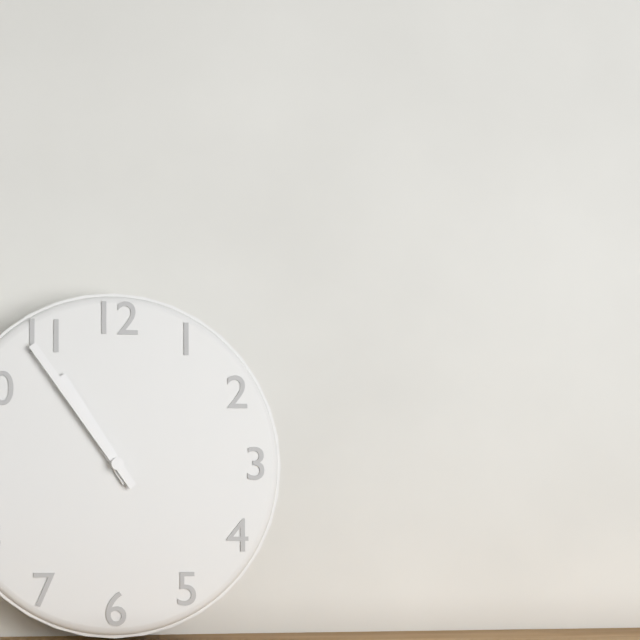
10:54
